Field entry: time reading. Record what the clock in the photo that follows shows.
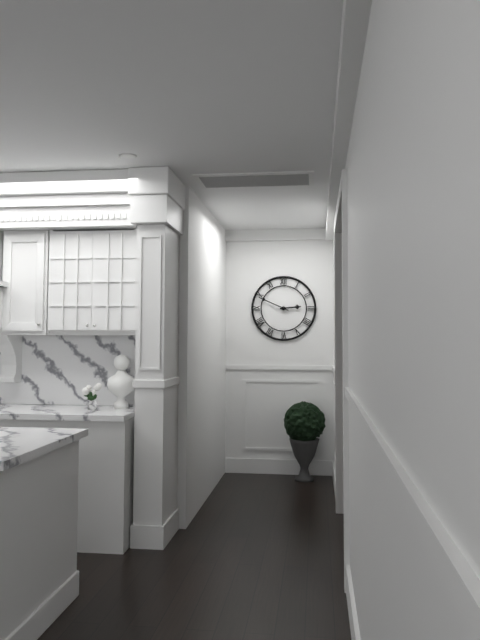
2:49
